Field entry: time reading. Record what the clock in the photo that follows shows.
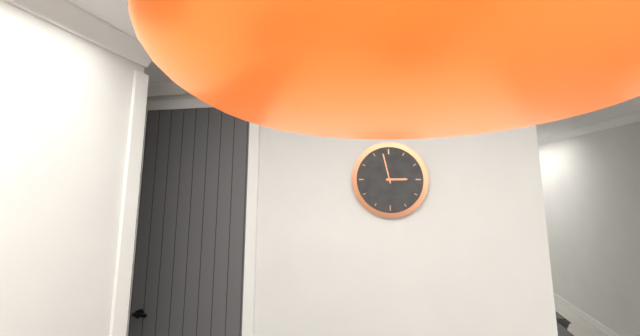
2:58
